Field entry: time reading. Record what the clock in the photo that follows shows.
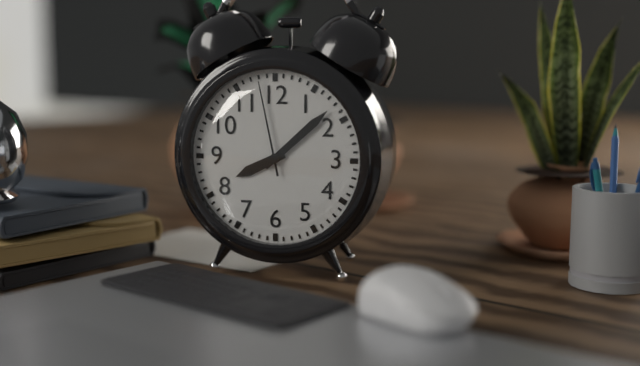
8:08:58
